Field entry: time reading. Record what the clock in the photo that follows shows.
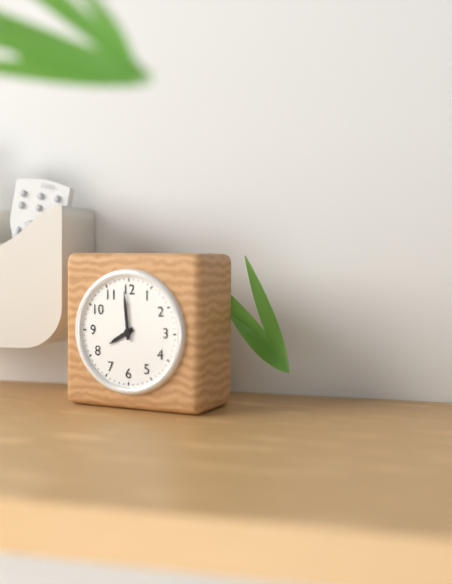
7:59
